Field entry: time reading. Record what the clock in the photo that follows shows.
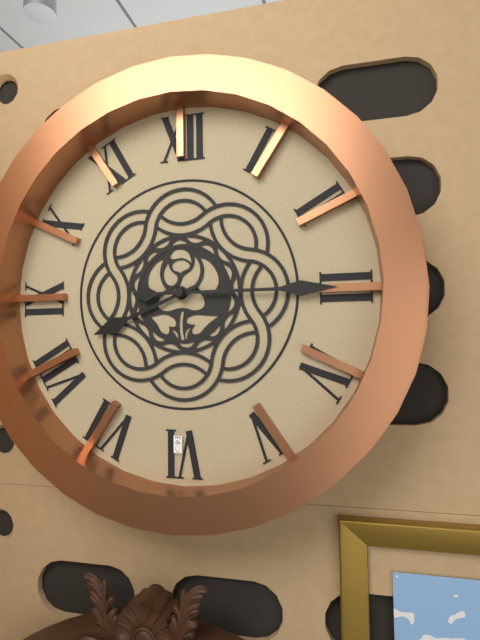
8:15
